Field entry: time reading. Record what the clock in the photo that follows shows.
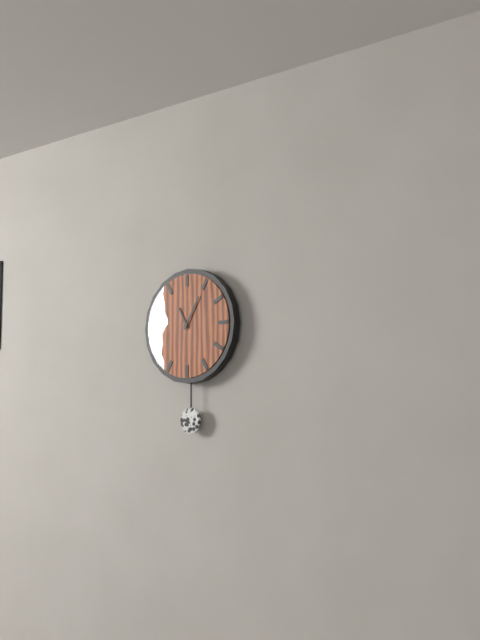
11:05
